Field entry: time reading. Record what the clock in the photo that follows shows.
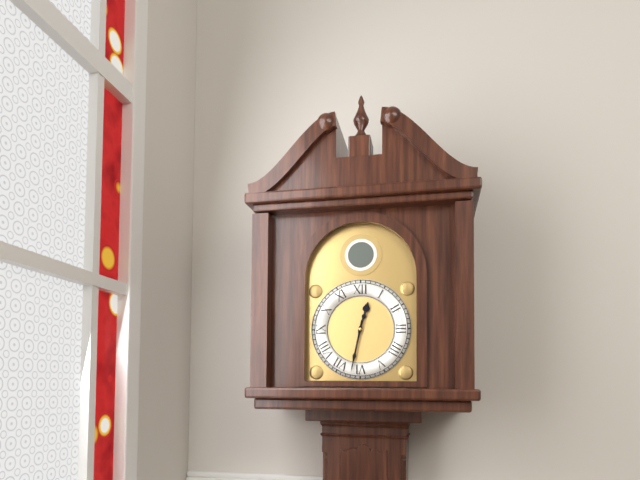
12:32
